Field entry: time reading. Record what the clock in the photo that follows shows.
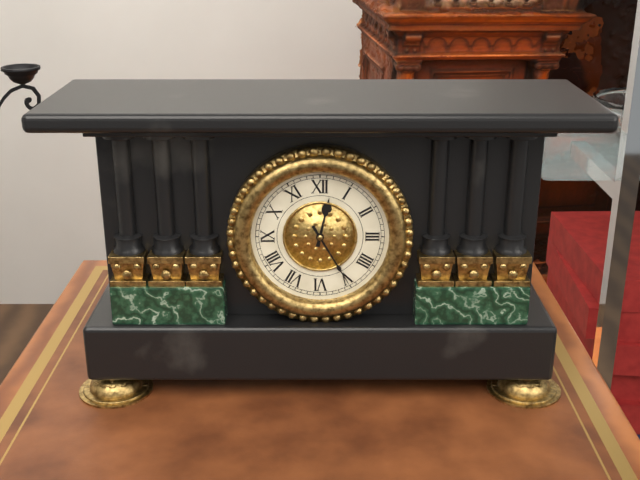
12:25
